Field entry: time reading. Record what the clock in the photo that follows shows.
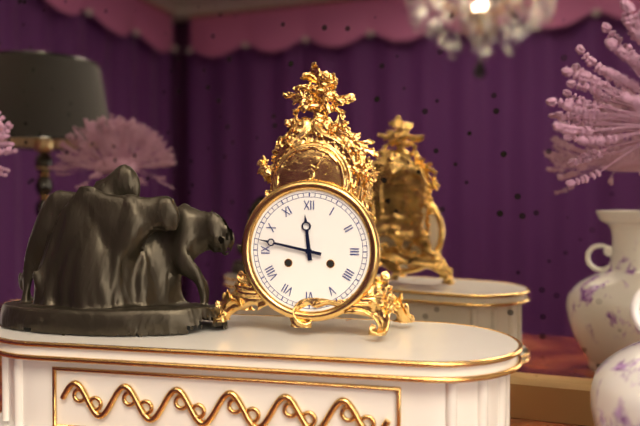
11:47
